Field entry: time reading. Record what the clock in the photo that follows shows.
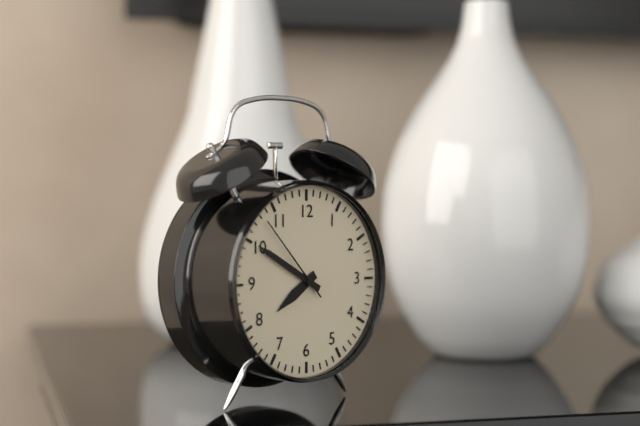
7:50:53
